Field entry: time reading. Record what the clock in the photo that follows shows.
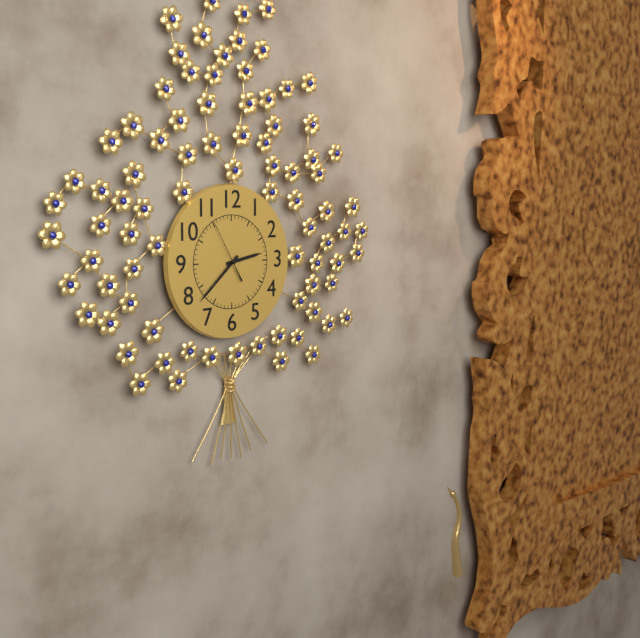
2:38:55
